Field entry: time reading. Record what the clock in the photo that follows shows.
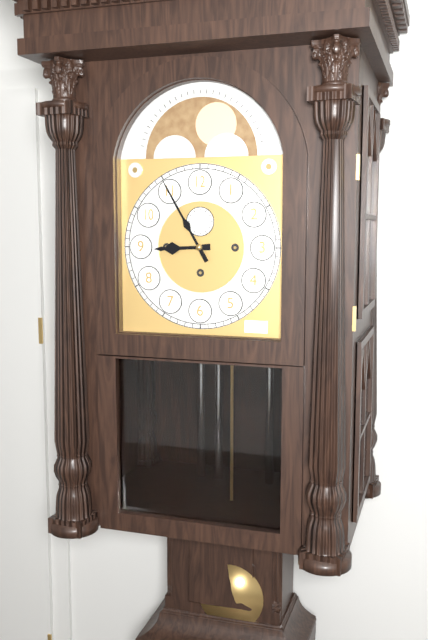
8:55
